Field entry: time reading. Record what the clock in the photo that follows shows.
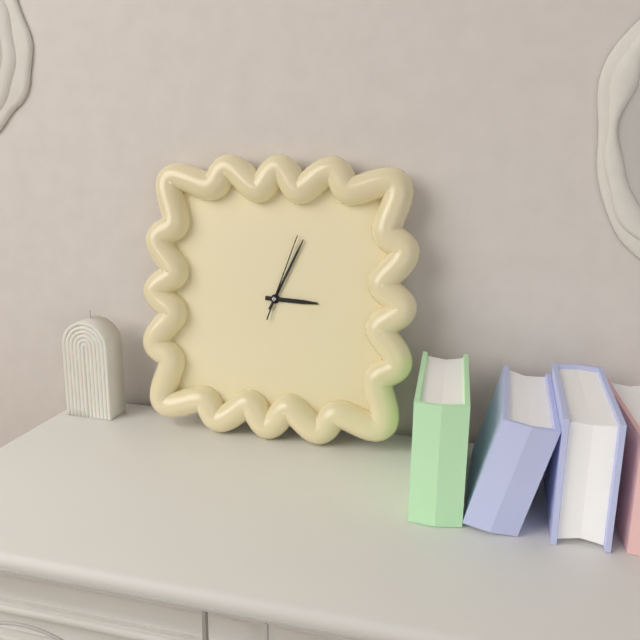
3:04:03
